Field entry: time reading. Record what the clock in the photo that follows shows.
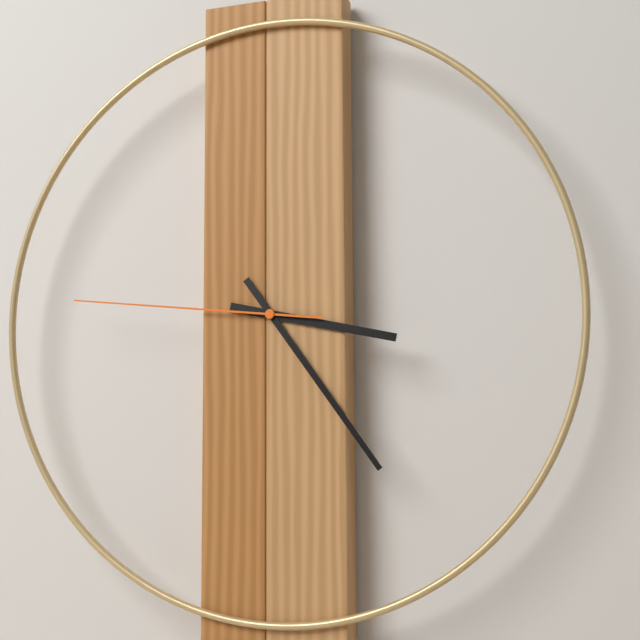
3:24:46
